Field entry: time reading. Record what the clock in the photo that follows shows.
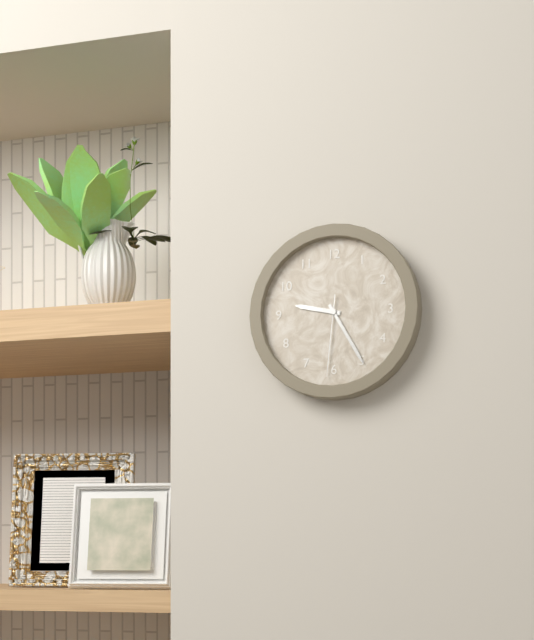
9:25:31
